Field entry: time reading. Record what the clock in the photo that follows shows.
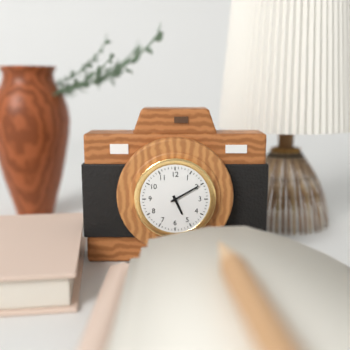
5:10
